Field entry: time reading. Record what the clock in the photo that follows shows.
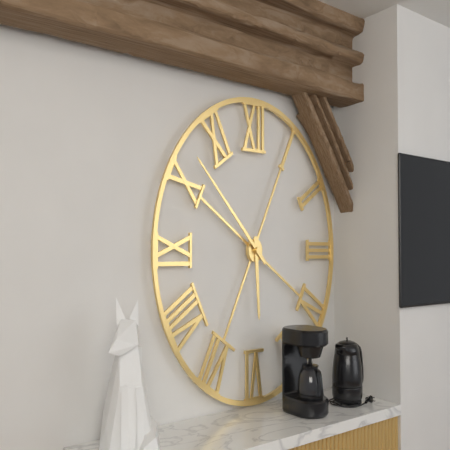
5:52
